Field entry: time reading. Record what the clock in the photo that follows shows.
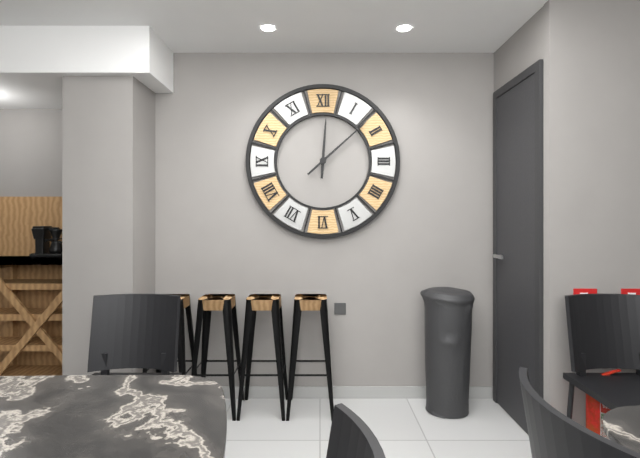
12:08
